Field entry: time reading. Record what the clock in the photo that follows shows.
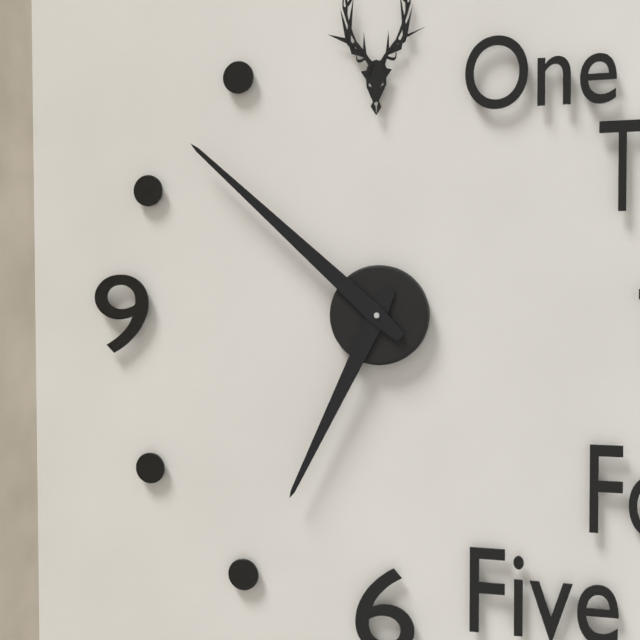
6:52
